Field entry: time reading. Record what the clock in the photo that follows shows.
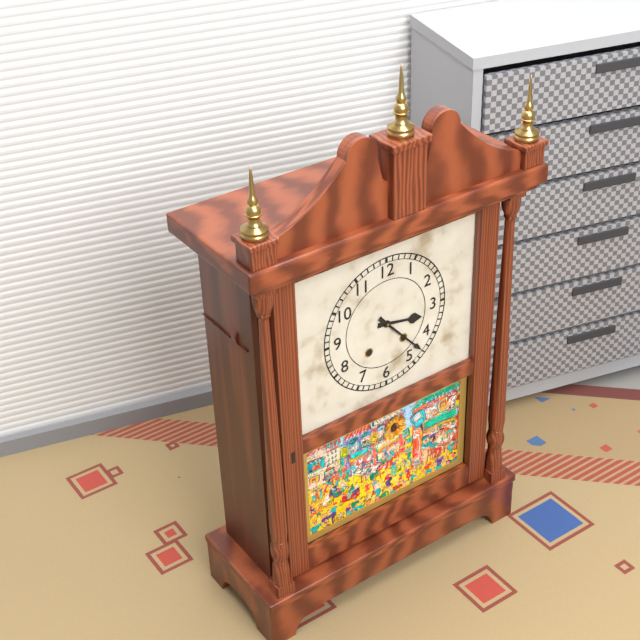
3:23
